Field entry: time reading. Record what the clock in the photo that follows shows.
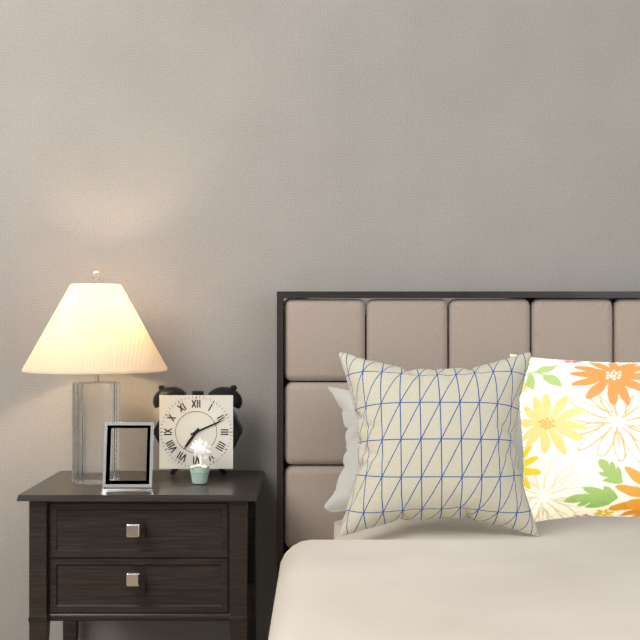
7:11
